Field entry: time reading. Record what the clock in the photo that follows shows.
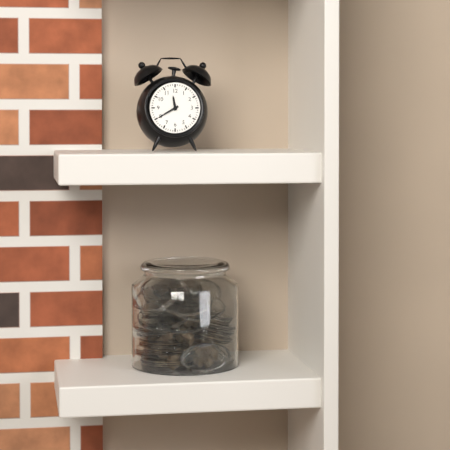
11:40
